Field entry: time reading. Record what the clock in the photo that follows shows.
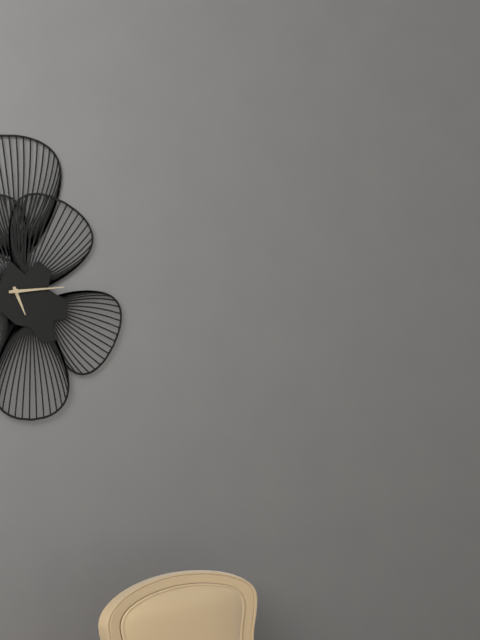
5:14
